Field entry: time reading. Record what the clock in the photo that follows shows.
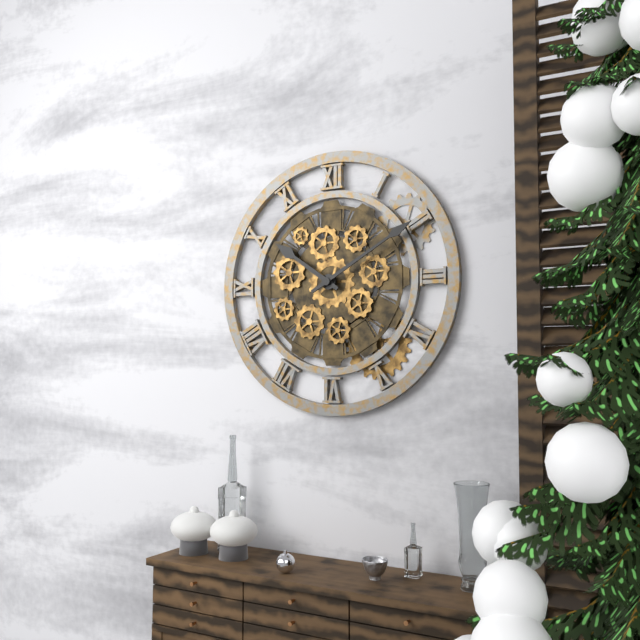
10:10
